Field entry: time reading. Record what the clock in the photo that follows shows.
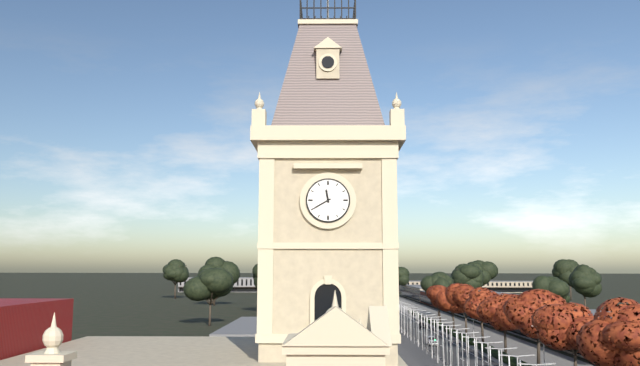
11:40
